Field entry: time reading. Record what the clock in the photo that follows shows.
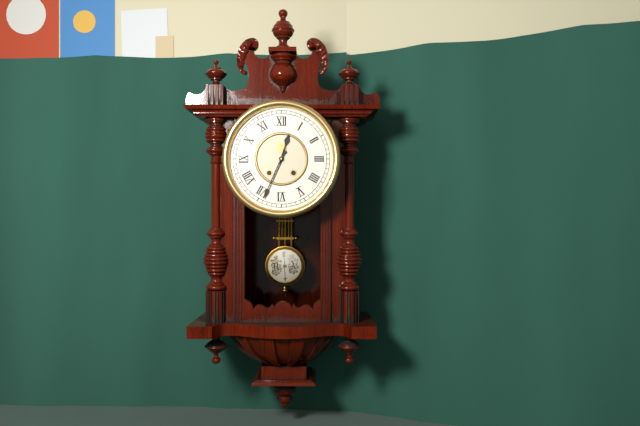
12:34
